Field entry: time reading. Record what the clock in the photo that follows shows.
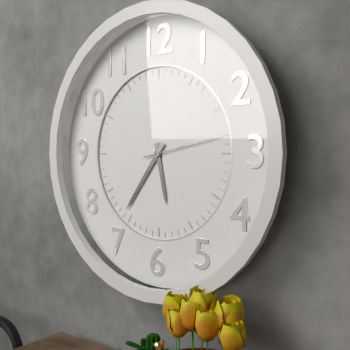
5:36:13
